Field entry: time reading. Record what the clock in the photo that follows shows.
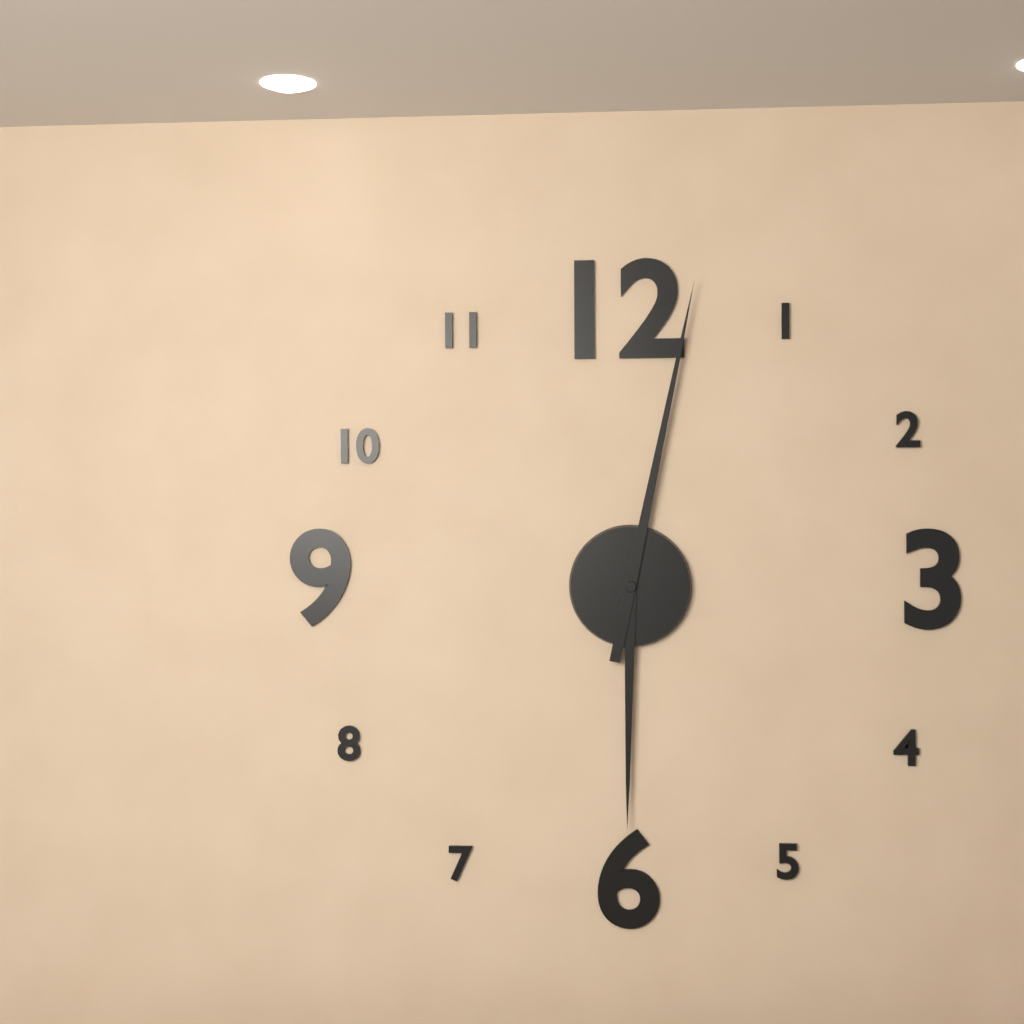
6:02
